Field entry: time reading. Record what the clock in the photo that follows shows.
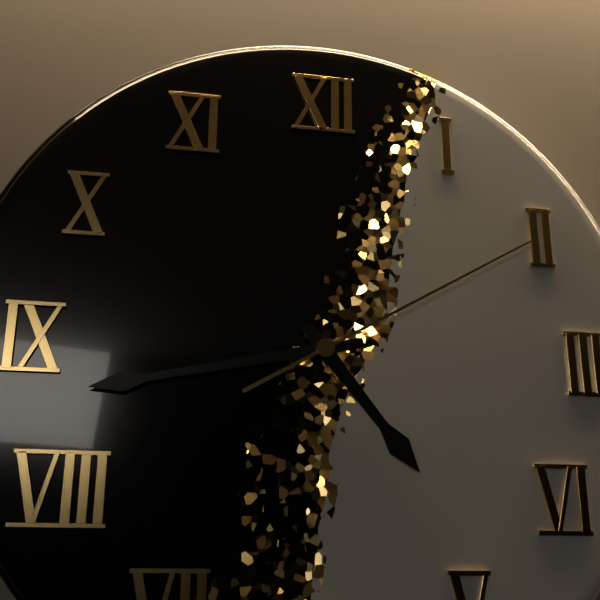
4:43:10
